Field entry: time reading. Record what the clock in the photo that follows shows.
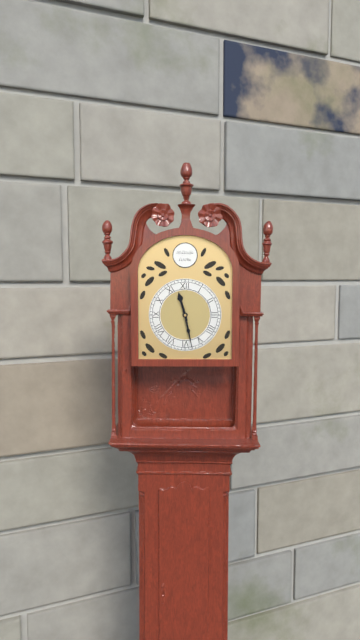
11:28
